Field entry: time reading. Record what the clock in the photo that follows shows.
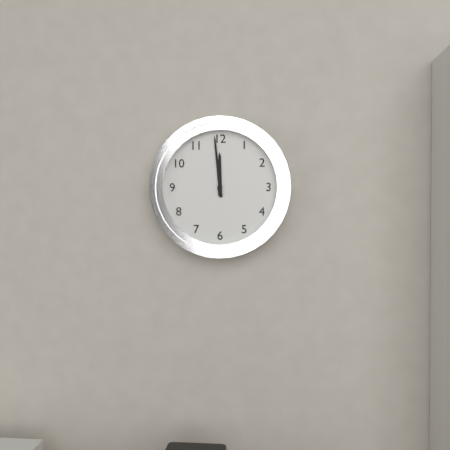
11:59
